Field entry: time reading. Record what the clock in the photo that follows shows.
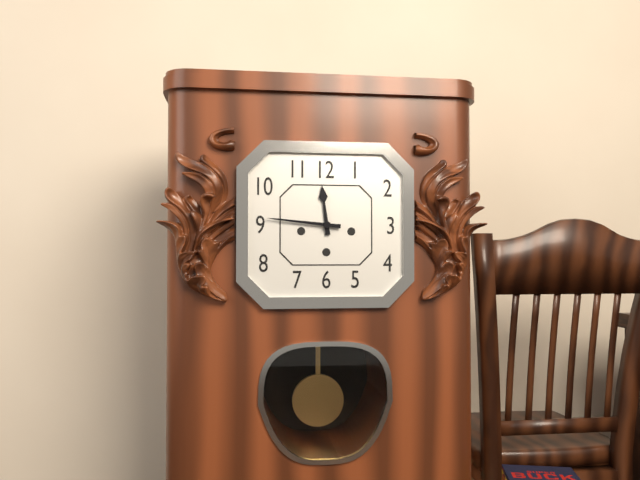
11:46
